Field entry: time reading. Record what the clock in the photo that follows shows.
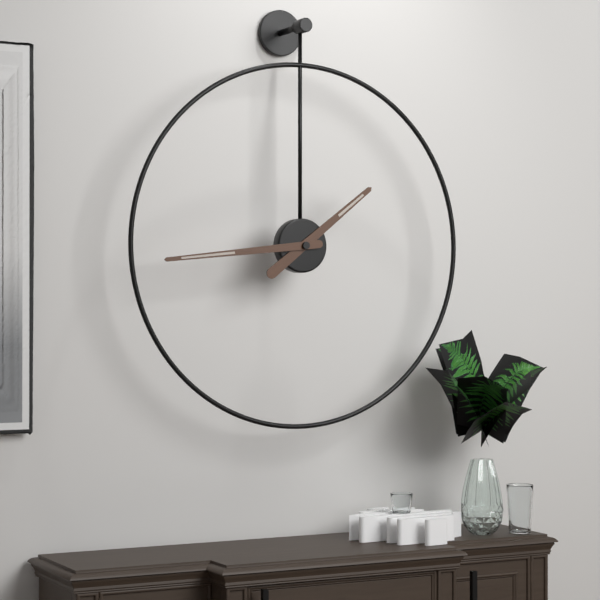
1:44
